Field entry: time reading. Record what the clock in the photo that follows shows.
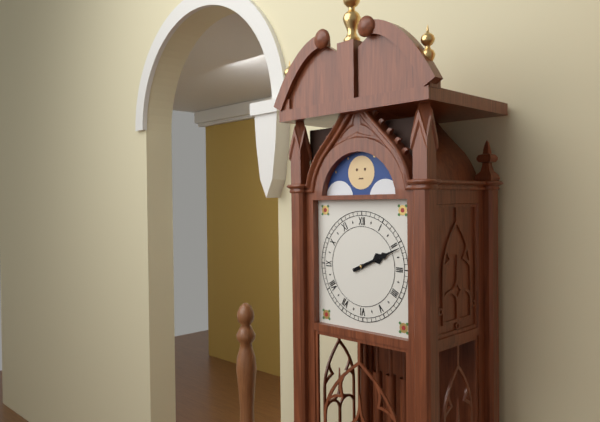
2:11
